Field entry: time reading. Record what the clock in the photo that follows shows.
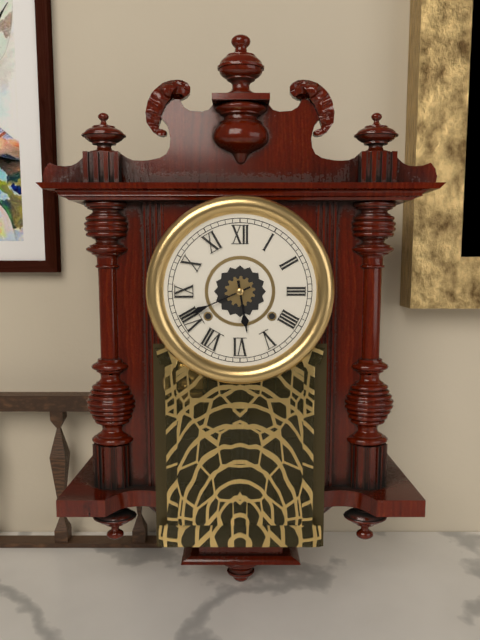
5:41
